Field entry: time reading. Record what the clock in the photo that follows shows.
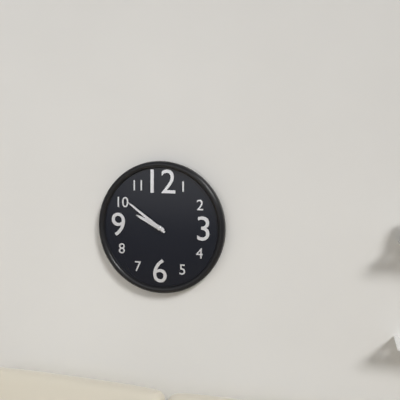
9:51
